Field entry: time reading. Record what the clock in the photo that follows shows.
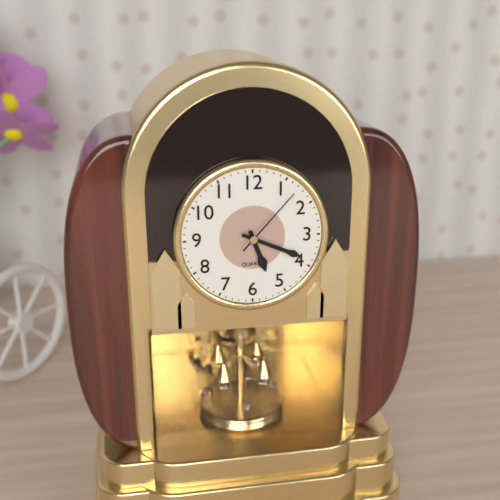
5:19:07
